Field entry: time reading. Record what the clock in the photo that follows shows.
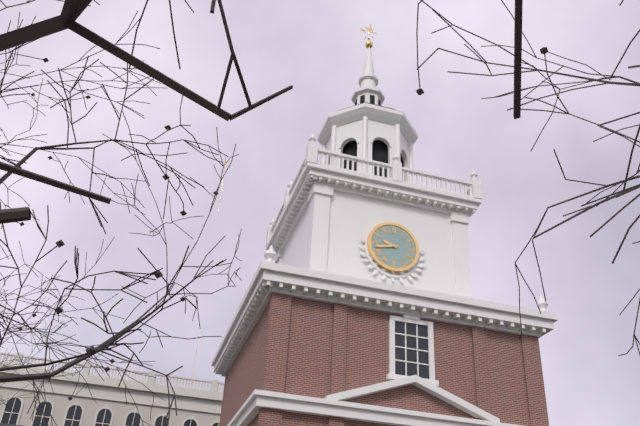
9:43
